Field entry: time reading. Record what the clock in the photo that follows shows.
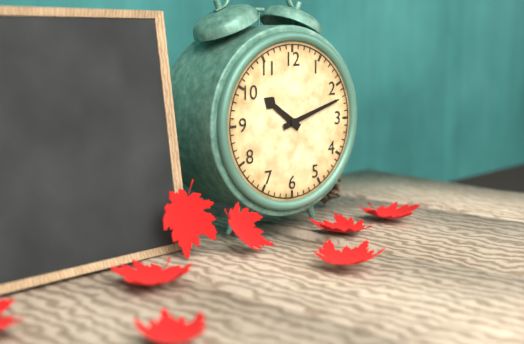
10:12
